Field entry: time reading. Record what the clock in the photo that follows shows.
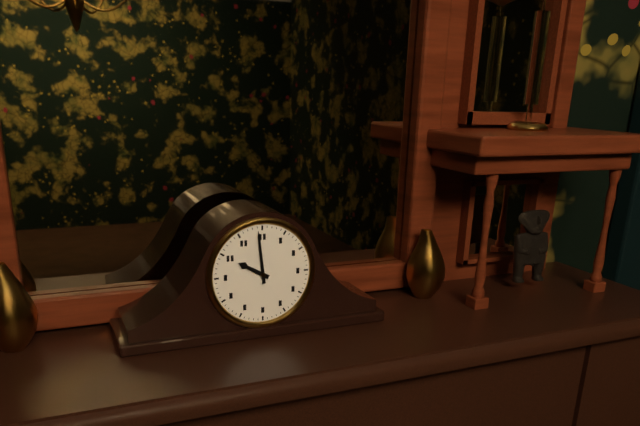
9:59
